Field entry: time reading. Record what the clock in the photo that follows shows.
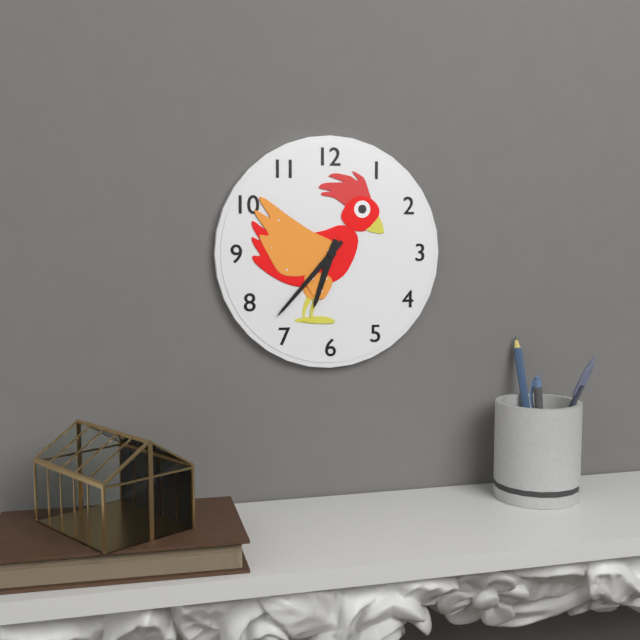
6:37
